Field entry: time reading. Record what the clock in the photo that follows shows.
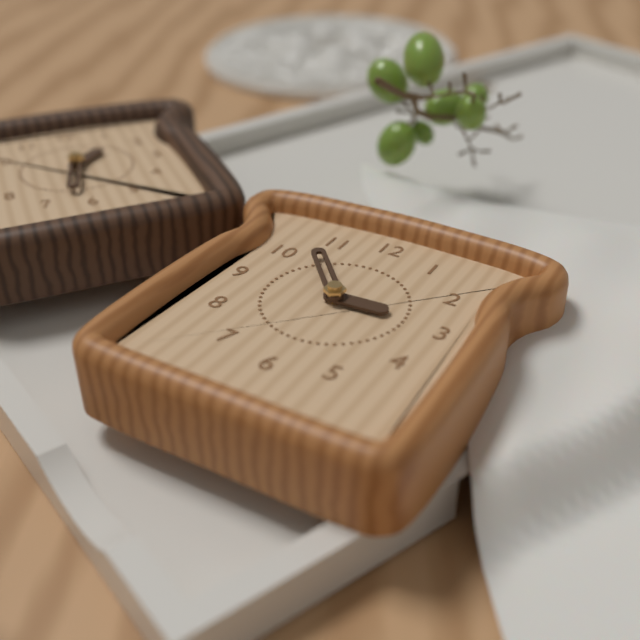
2:53
